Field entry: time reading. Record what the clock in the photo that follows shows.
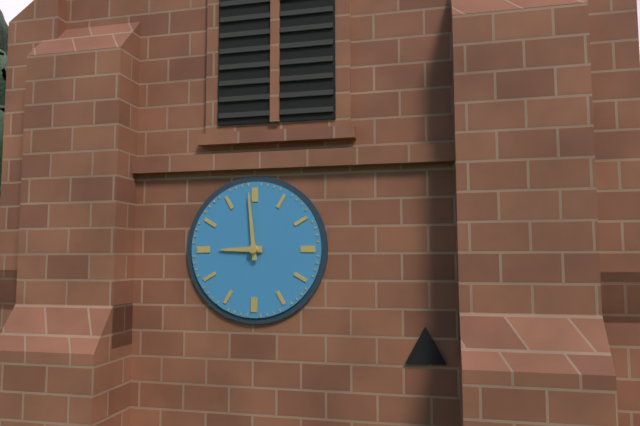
8:59
